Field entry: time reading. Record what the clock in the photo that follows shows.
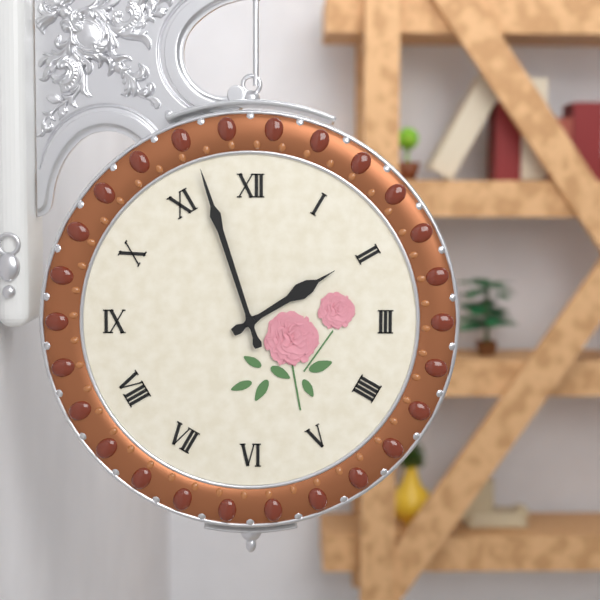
1:57
